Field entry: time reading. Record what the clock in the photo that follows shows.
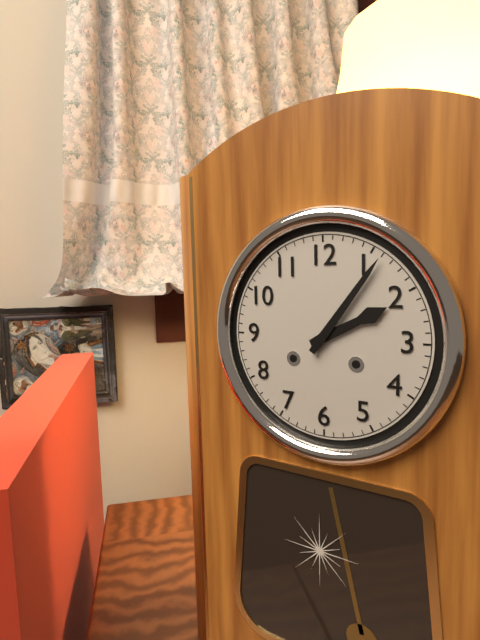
2:06
